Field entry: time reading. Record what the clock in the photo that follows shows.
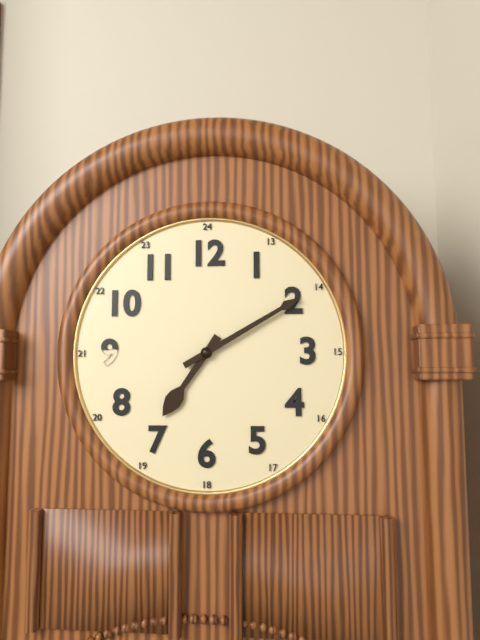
7:10
